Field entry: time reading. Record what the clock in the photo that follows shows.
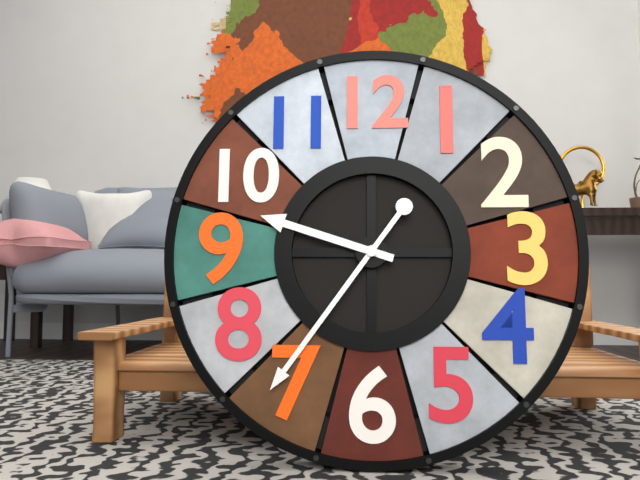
9:36
